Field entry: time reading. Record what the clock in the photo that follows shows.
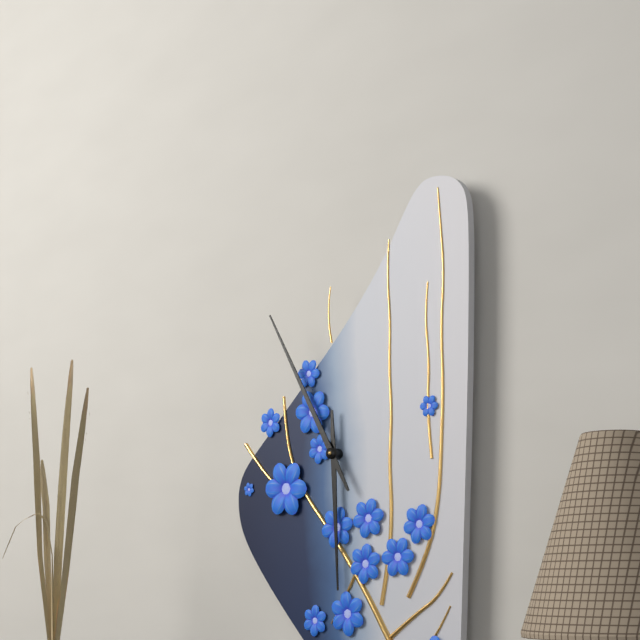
5:55
